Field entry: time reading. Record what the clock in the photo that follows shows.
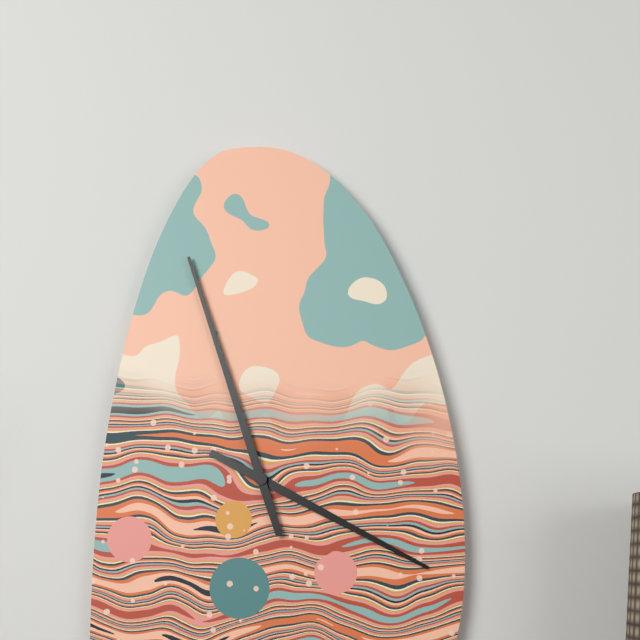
3:57
